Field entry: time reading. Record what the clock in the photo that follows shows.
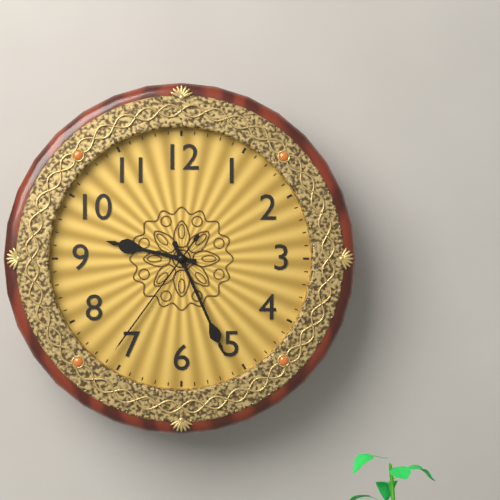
9:26:36
